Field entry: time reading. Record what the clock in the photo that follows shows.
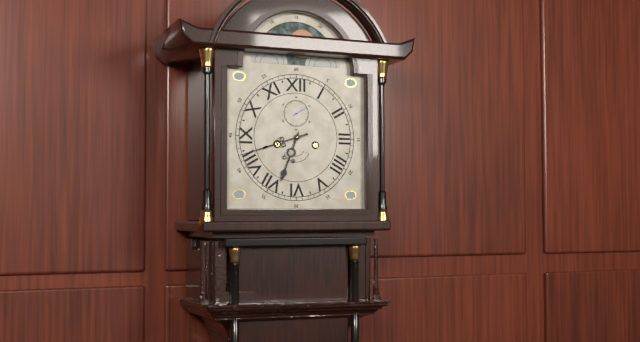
6:42
